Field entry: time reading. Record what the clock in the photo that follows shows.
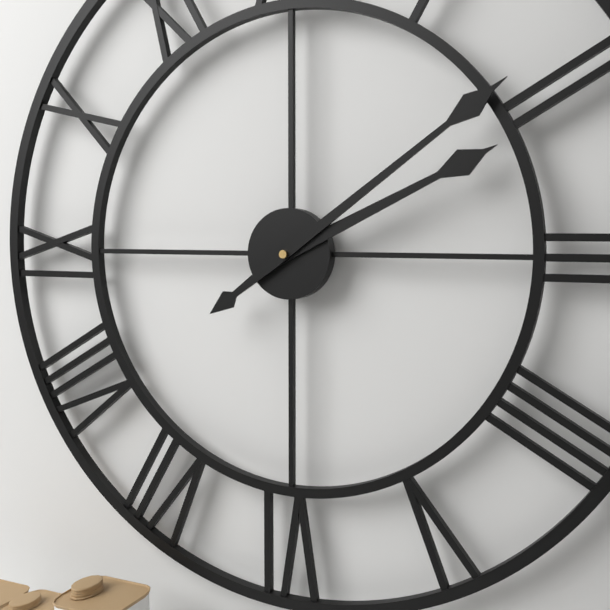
2:09
